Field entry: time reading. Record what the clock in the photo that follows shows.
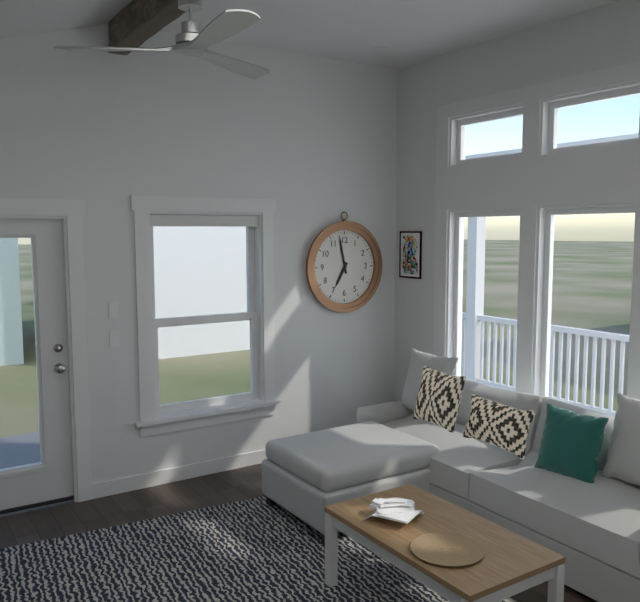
6:58
